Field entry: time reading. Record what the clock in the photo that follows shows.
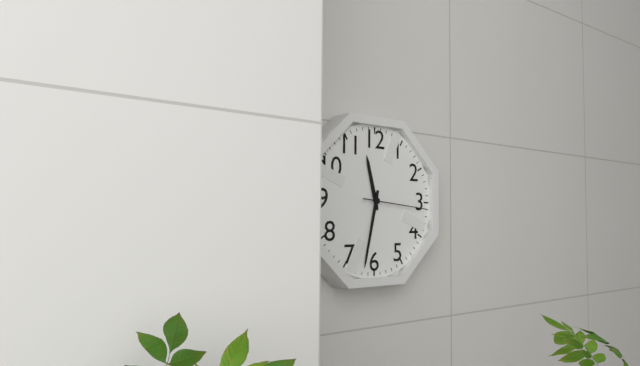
11:32:16
